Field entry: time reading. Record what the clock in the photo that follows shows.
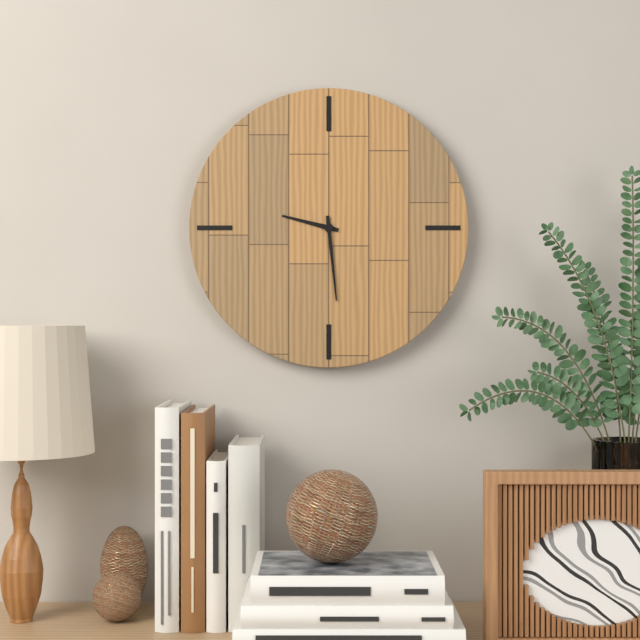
9:29
